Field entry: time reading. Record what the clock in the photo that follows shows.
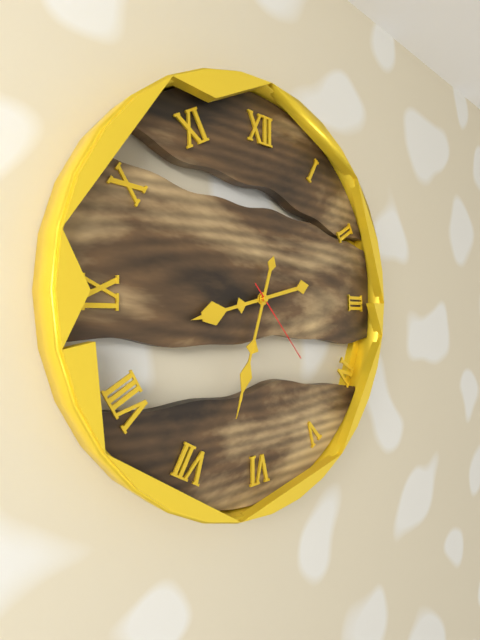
8:33:23
